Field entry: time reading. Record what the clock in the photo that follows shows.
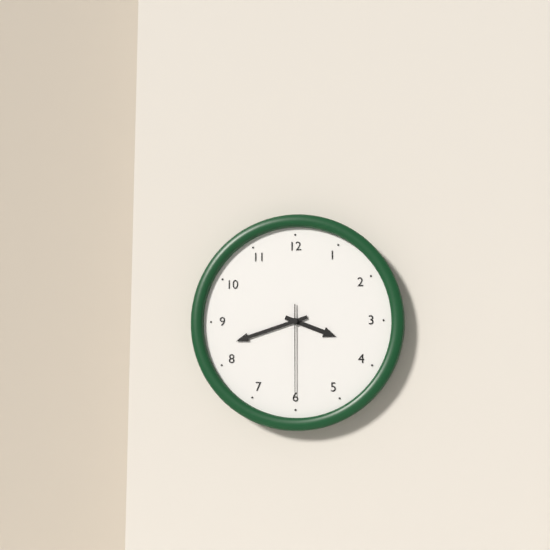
3:42:30
